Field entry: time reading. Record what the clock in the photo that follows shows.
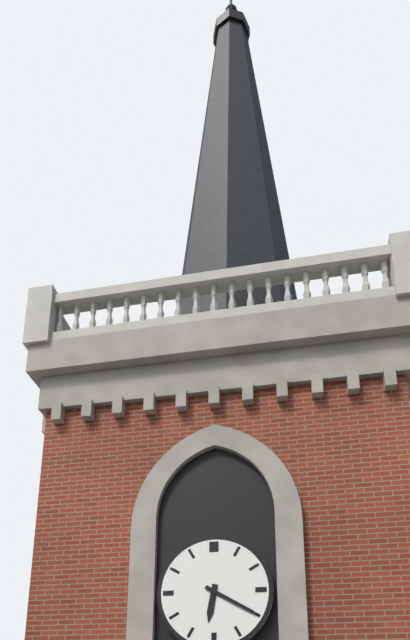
6:20
